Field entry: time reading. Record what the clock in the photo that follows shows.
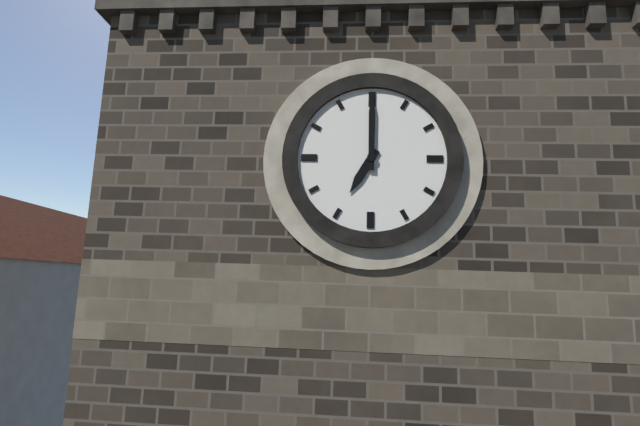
7:00
